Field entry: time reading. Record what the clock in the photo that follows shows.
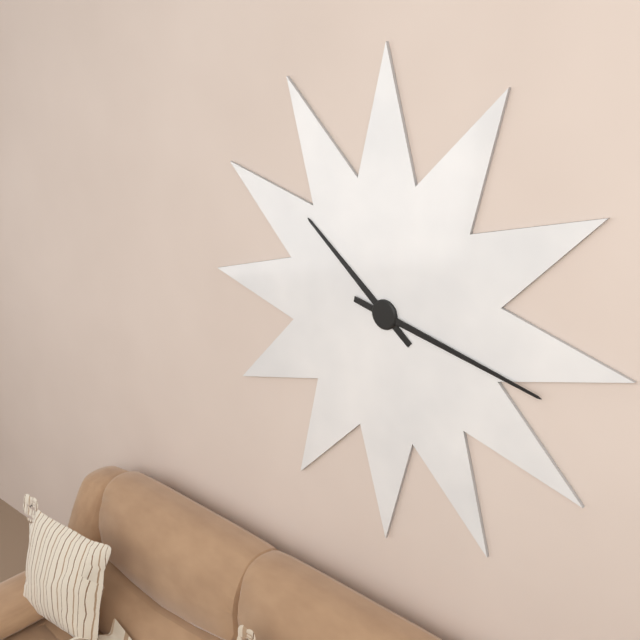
10:17
